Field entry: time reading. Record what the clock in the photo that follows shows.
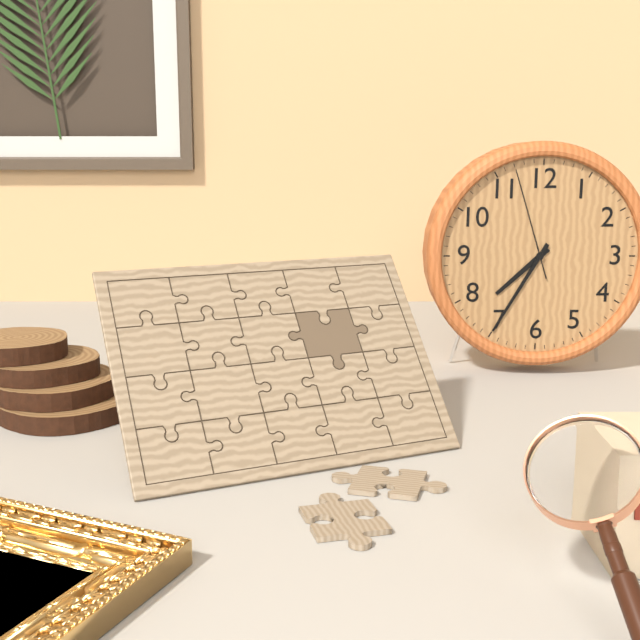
7:35:57
